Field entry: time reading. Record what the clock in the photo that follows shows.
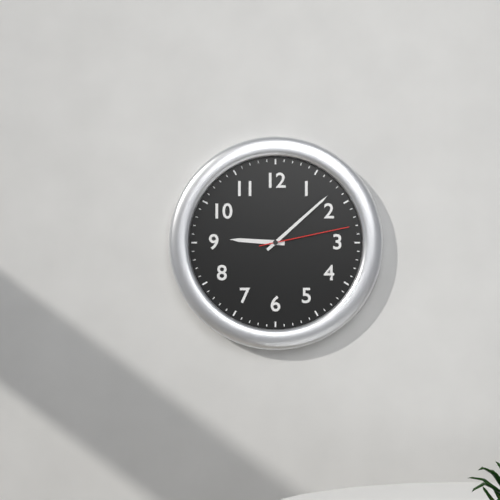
9:08:13
